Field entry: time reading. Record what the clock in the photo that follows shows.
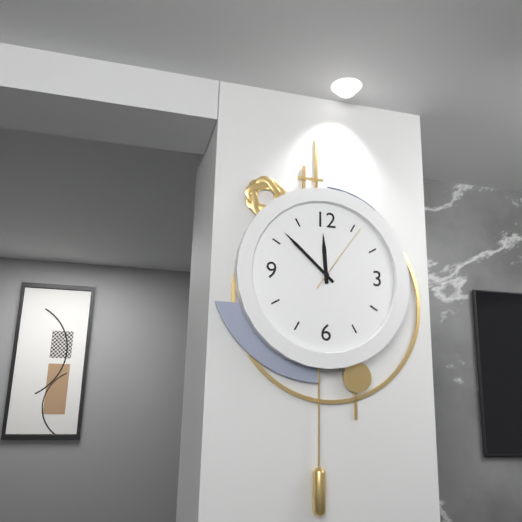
11:52:06
